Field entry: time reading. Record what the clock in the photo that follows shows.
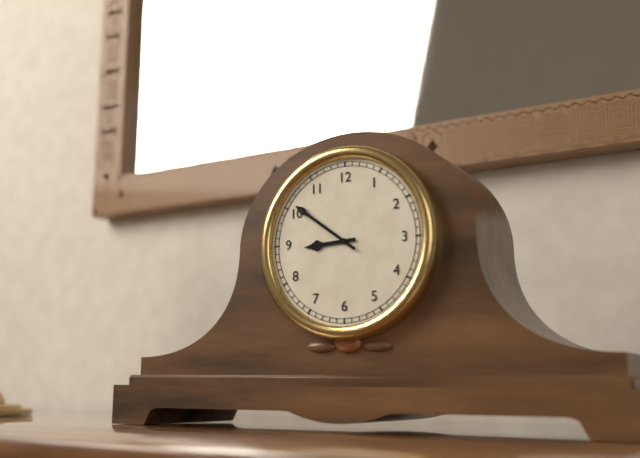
8:51
